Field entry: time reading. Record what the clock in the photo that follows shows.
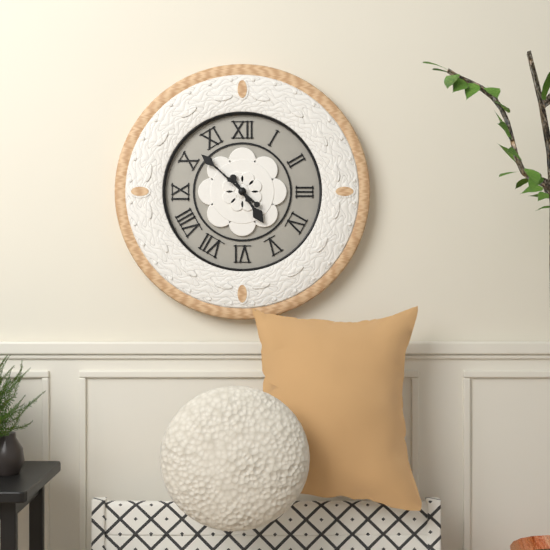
4:52
